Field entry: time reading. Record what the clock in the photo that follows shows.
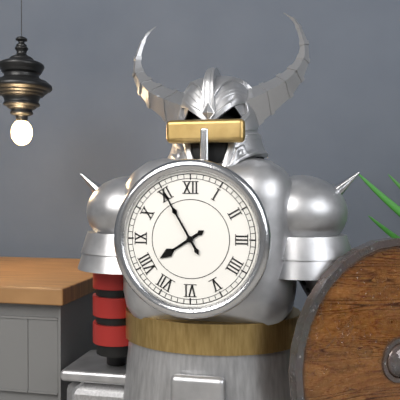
7:55
